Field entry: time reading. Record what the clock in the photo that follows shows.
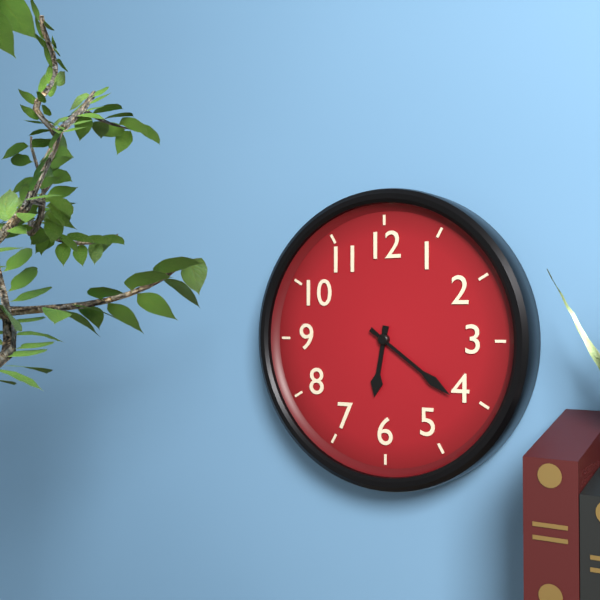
6:21
